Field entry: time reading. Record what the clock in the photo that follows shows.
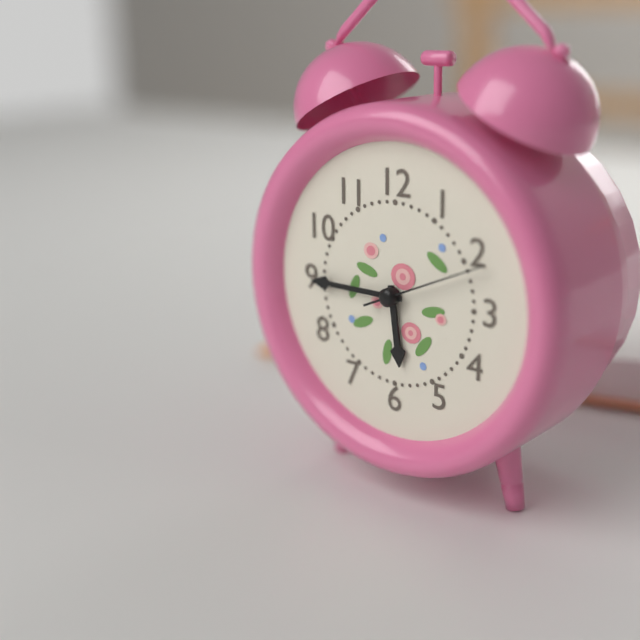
5:45:11
